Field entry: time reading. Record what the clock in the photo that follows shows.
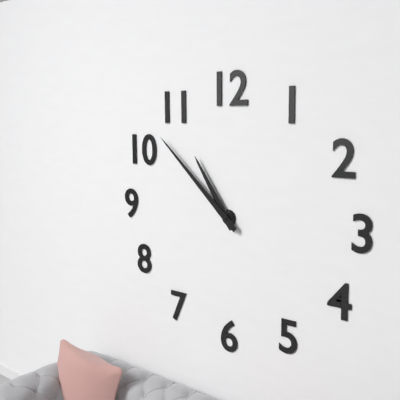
10:52
